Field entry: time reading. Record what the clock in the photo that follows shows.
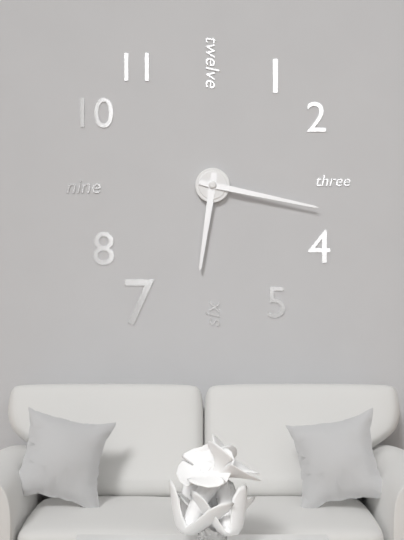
6:17
